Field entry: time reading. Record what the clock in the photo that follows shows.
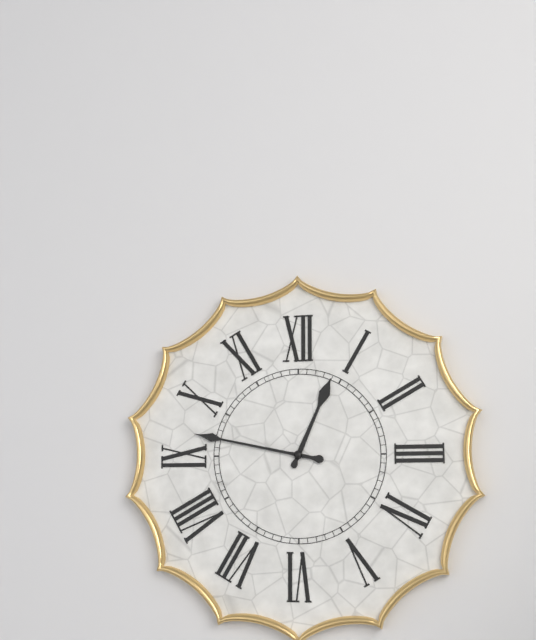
12:47
